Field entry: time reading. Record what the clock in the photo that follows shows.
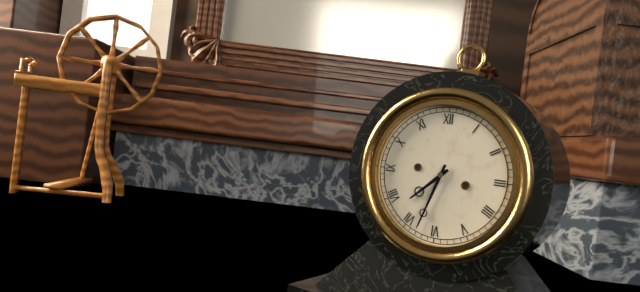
7:33
